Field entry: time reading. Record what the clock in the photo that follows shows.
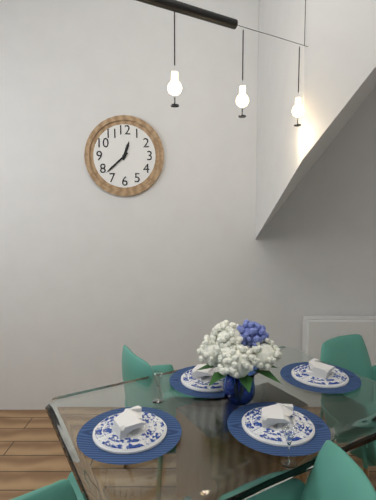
12:38
